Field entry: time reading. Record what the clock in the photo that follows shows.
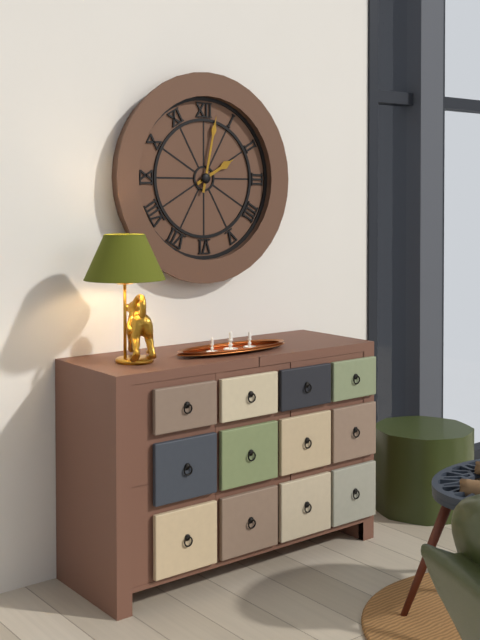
2:02
